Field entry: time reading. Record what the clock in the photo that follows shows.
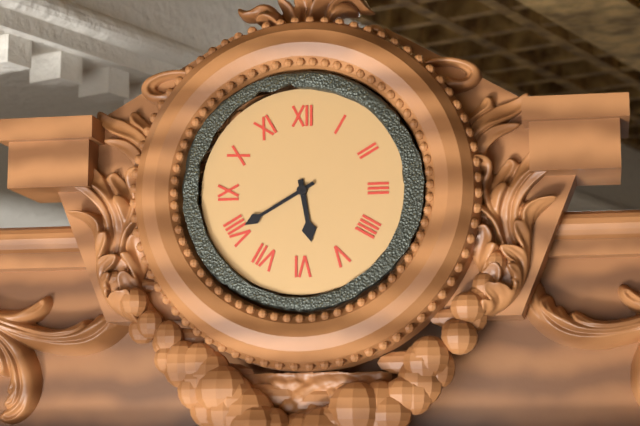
5:40
